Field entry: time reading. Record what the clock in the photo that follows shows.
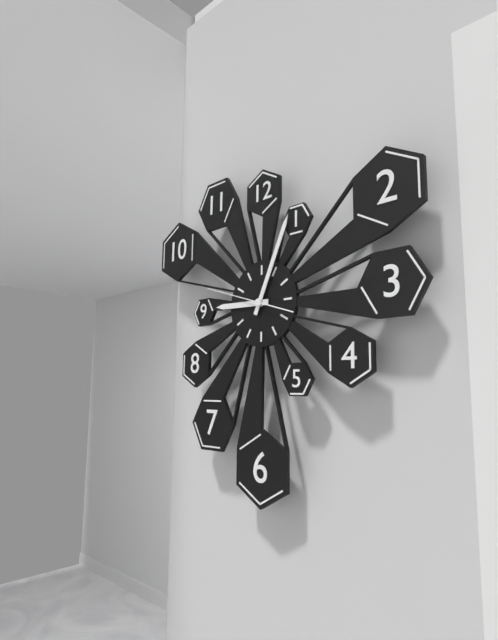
9:04:48
